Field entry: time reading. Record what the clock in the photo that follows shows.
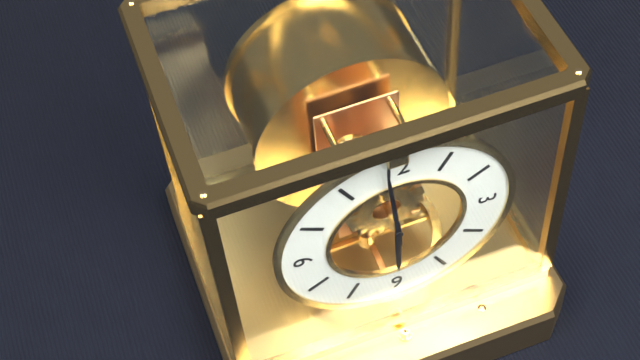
5:59
